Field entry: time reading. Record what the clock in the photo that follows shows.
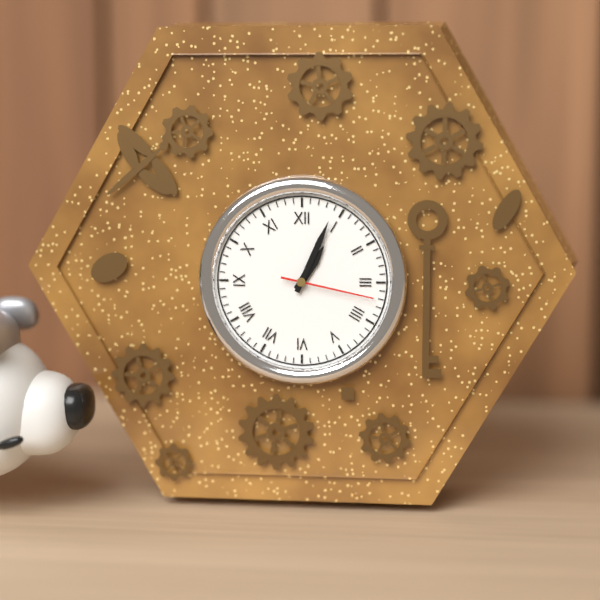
1:04:17
